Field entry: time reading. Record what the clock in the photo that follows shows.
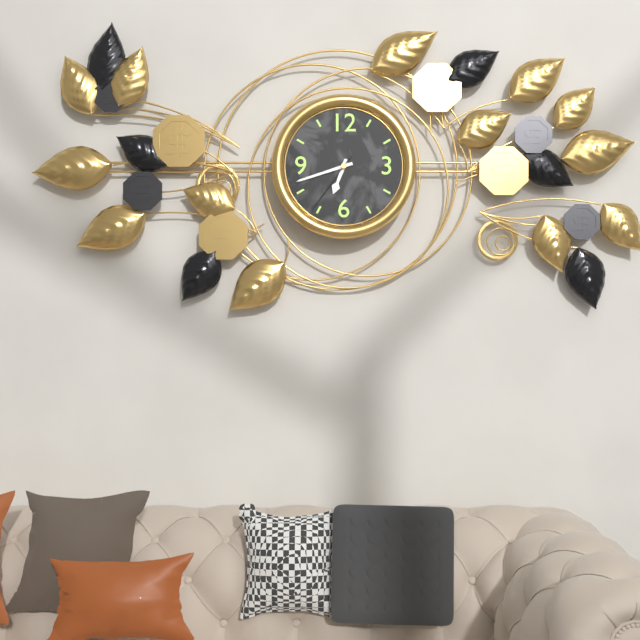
6:42:36
